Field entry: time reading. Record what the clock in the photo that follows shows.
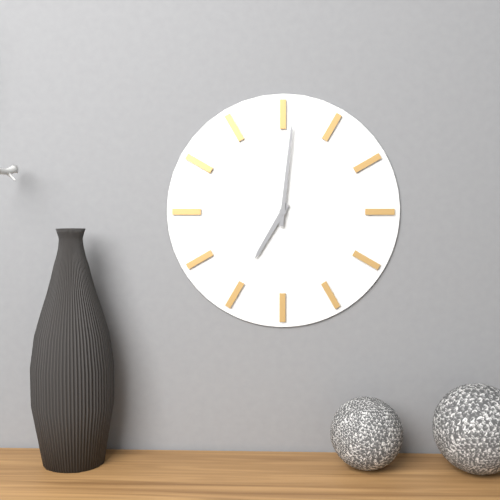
7:01
